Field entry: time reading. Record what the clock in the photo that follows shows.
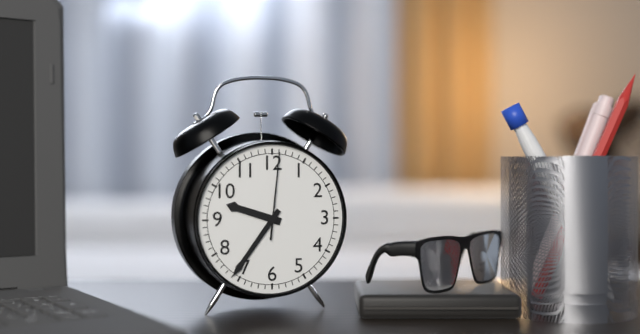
9:36:01
